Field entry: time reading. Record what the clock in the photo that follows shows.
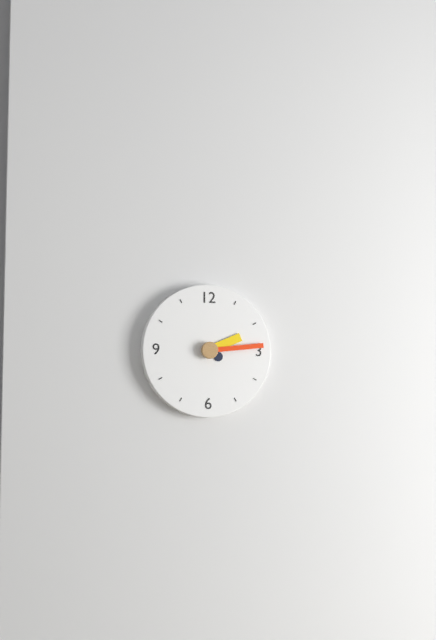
2:14
